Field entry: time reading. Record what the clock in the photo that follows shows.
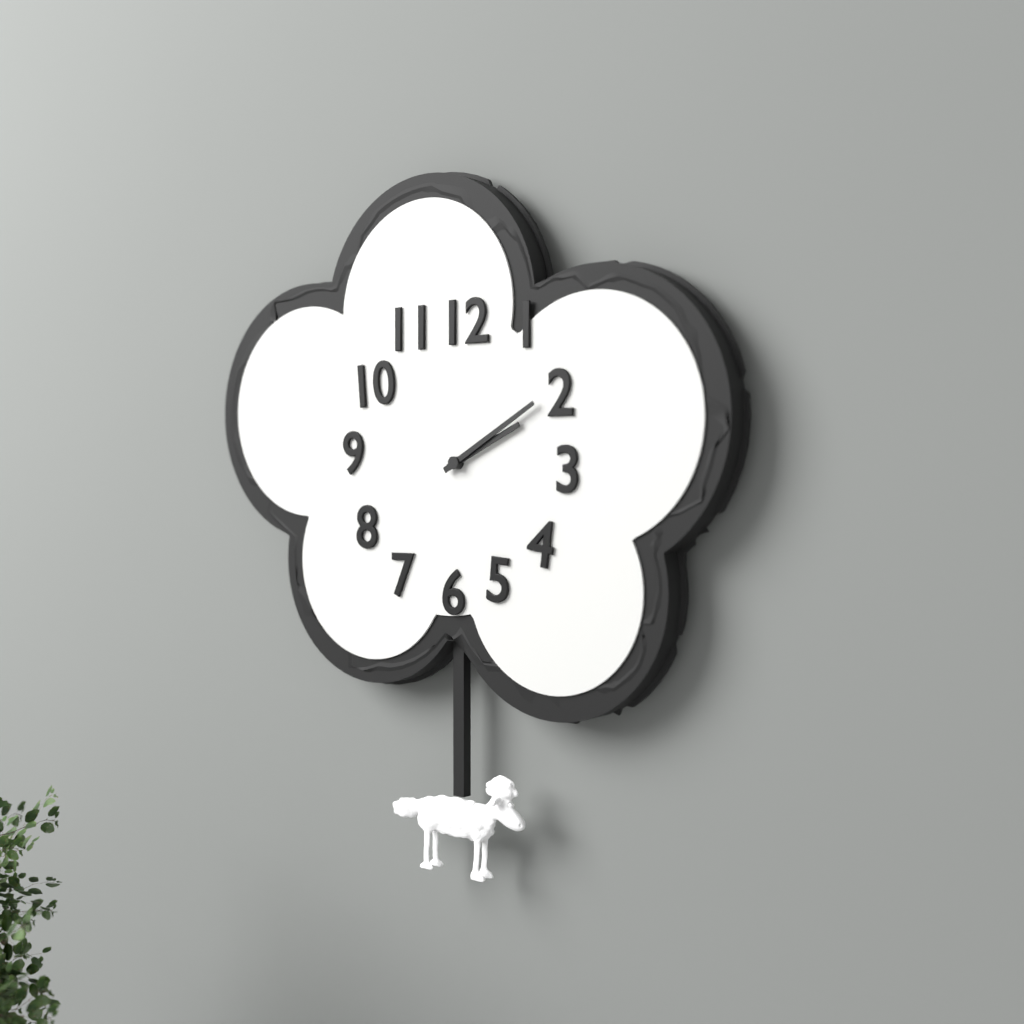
2:10
